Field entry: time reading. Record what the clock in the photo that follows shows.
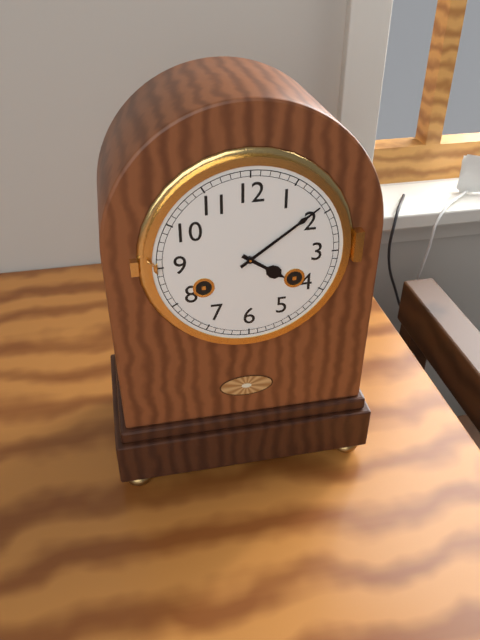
4:09
